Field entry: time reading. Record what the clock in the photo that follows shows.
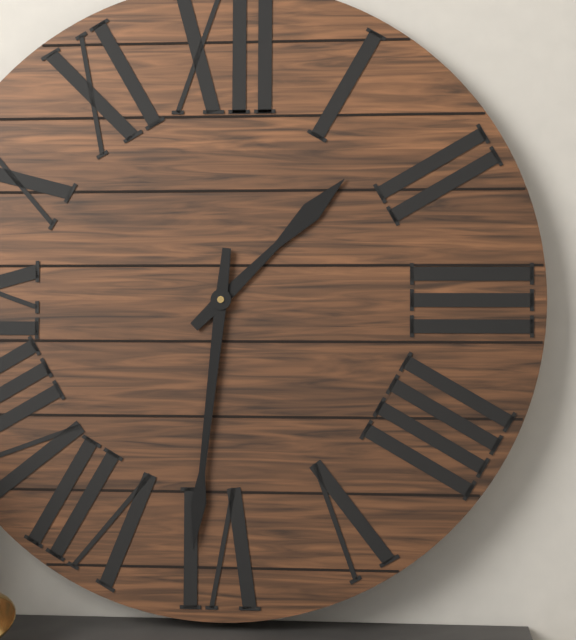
1:31
